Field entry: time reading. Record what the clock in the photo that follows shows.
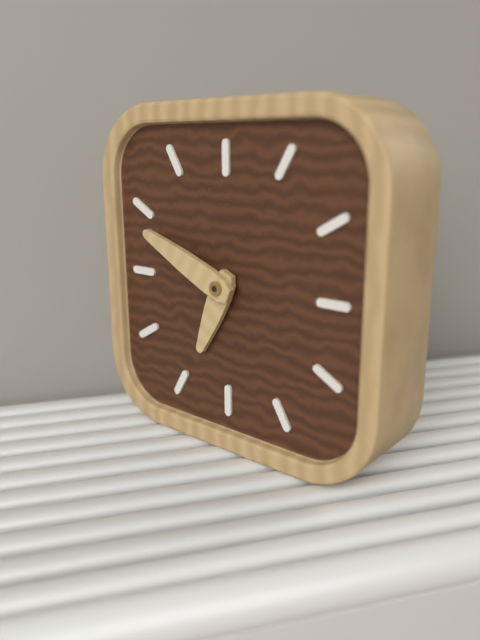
6:49
